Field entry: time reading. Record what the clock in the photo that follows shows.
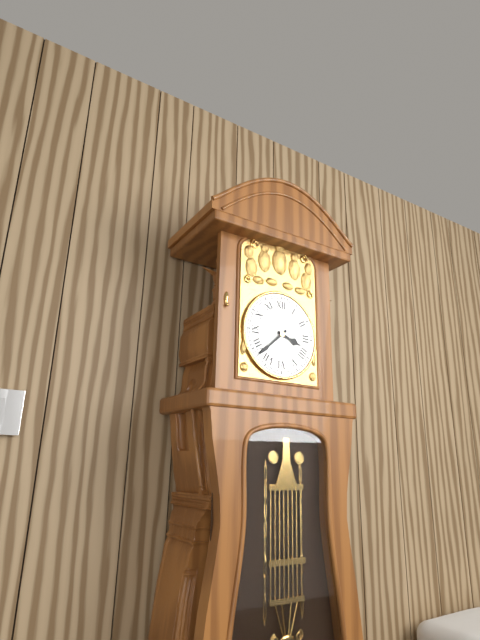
3:38
